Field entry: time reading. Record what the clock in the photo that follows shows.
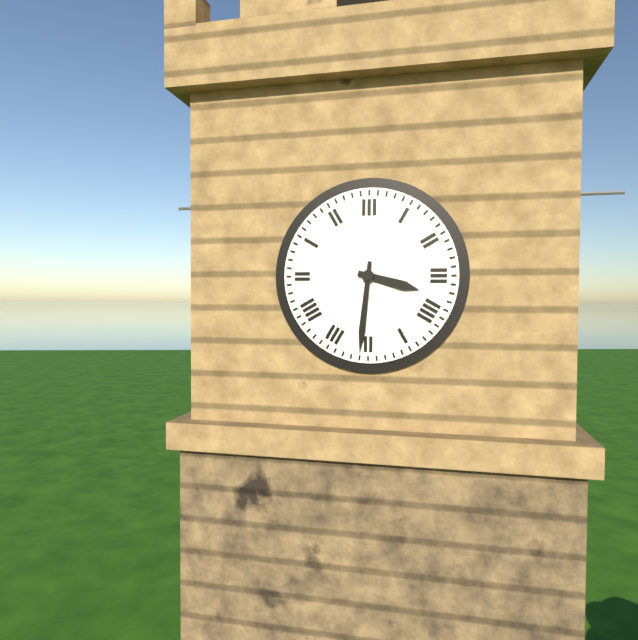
3:31
